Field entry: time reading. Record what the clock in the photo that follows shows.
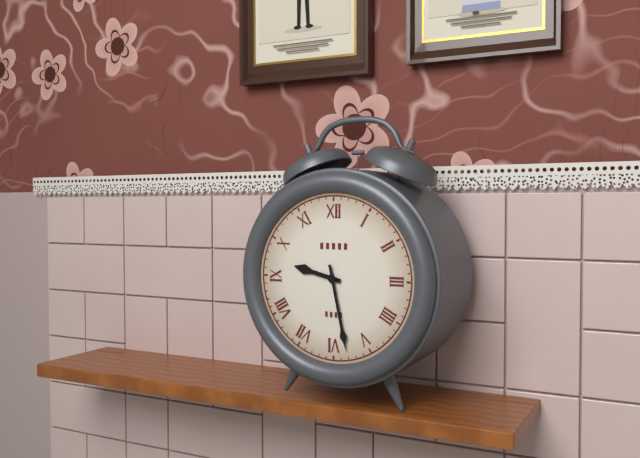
9:28
